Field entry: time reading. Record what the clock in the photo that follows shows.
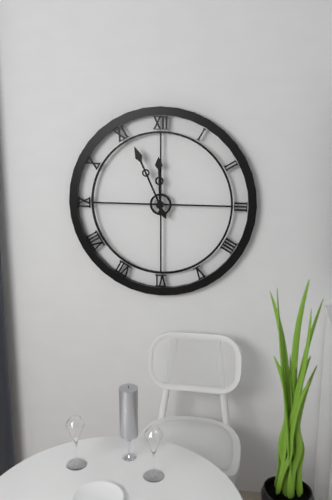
11:56
